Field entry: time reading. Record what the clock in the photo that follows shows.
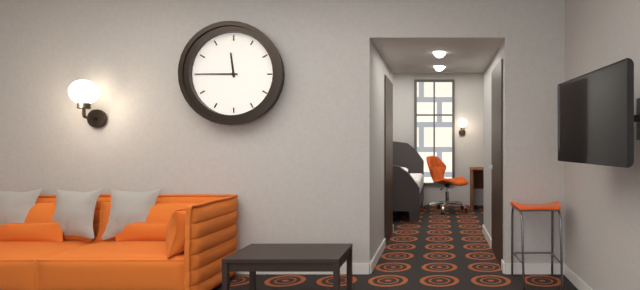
11:45
